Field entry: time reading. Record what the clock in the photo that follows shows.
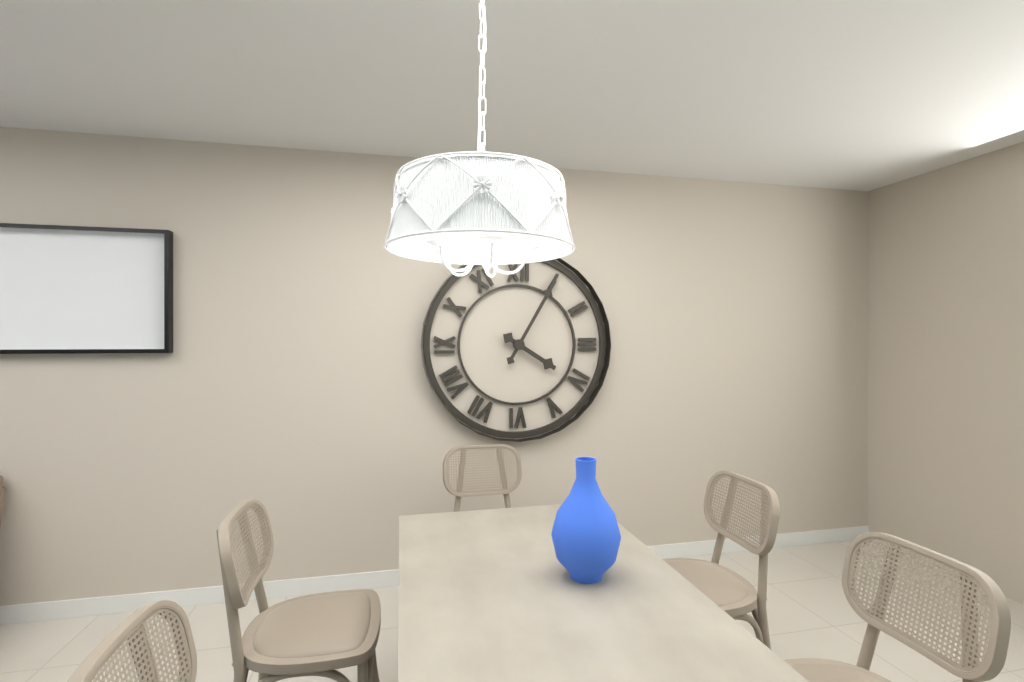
4:05
